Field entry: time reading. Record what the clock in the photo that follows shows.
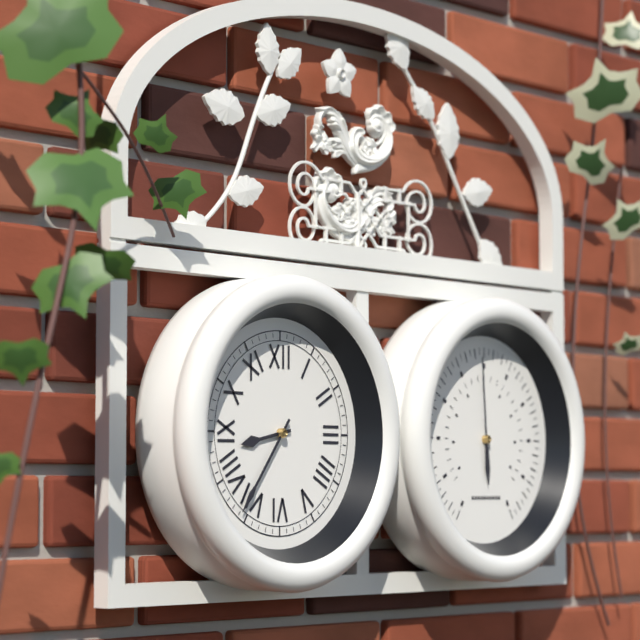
8:36
